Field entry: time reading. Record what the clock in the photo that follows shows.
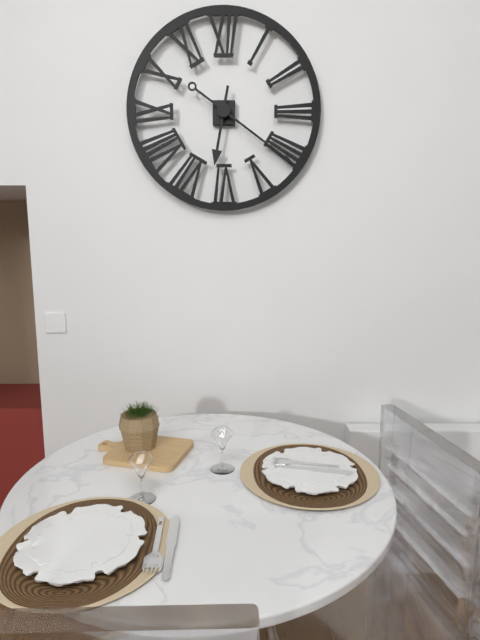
6:21
